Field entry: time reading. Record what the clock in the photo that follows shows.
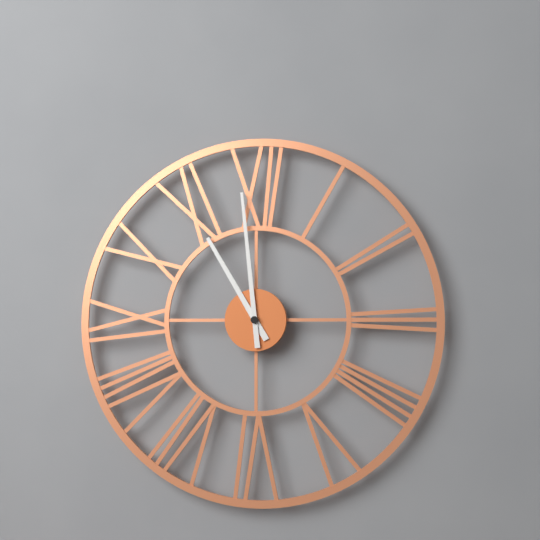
10:59
